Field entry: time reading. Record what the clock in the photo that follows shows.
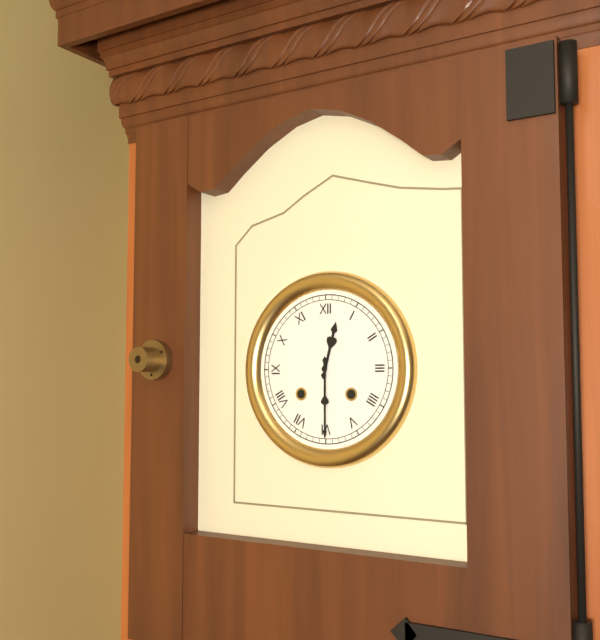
12:30
